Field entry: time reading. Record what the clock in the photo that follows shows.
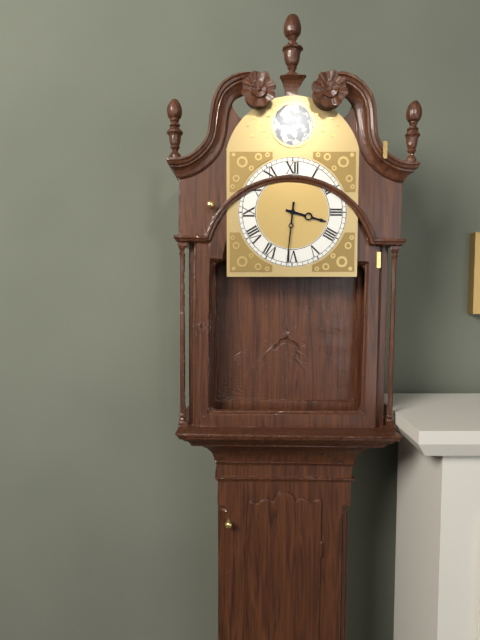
3:31
